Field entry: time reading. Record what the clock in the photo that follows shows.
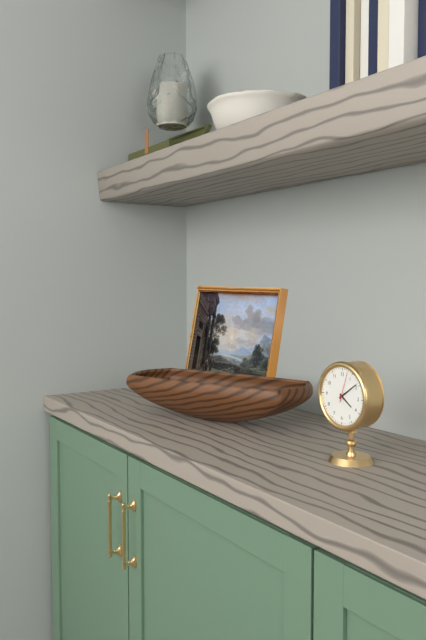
4:09
